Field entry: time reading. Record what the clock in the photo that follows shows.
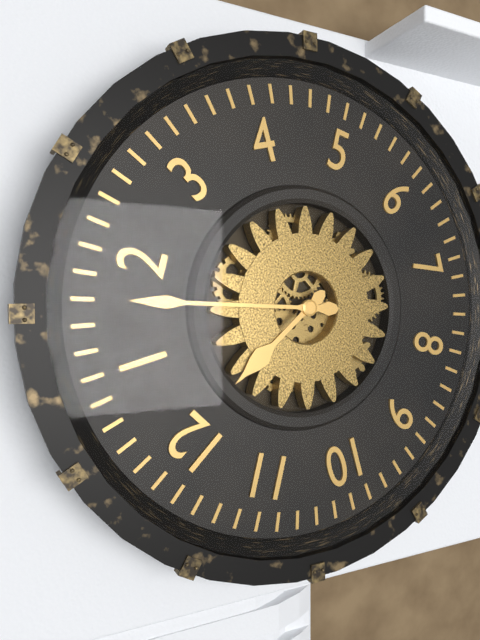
12:08
